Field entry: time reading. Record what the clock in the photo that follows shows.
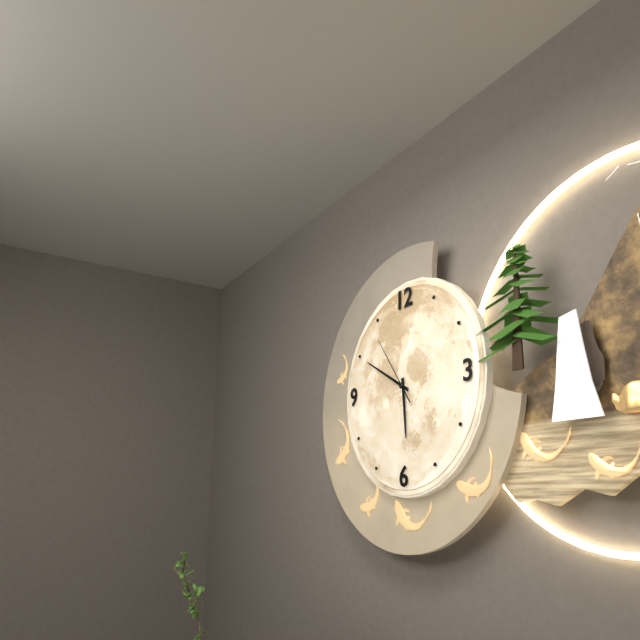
5:50:54
